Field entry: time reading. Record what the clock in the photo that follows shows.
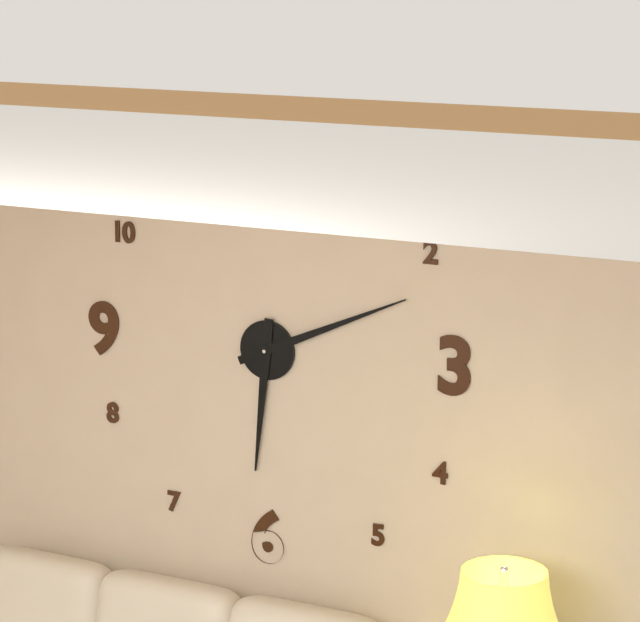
6:11
